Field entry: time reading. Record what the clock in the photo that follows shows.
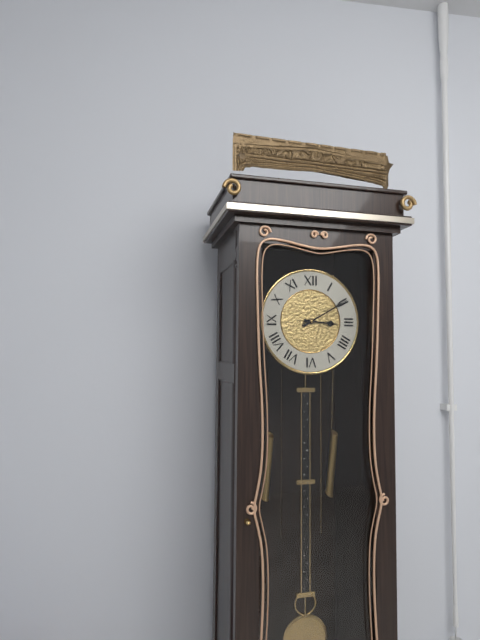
3:10
